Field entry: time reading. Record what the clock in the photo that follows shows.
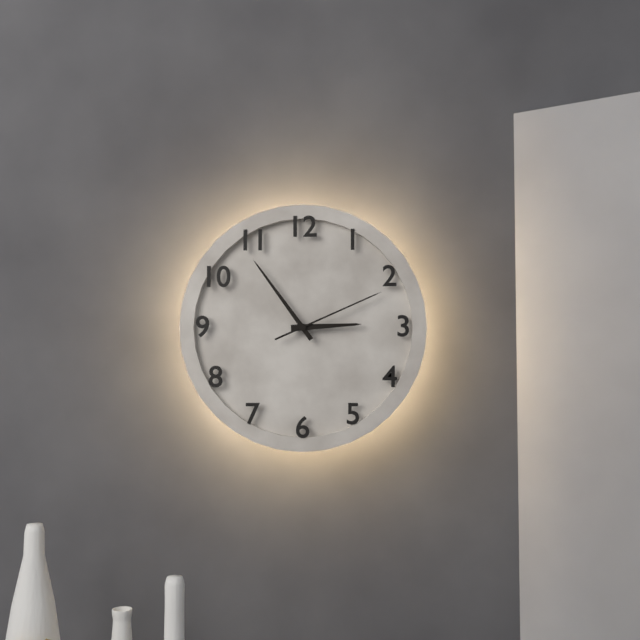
2:54:11
